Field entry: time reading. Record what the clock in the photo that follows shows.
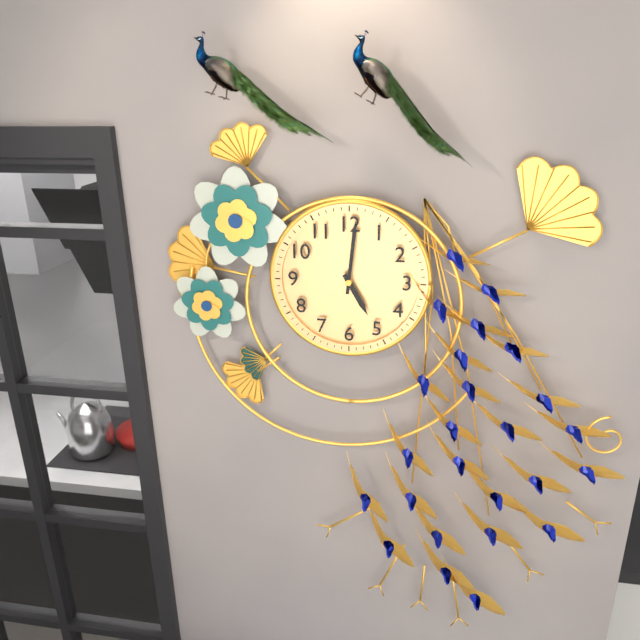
5:01
